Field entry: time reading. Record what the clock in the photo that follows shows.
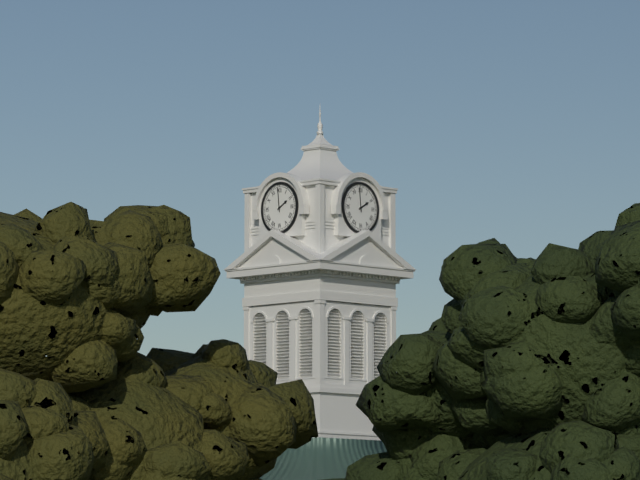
1:59
